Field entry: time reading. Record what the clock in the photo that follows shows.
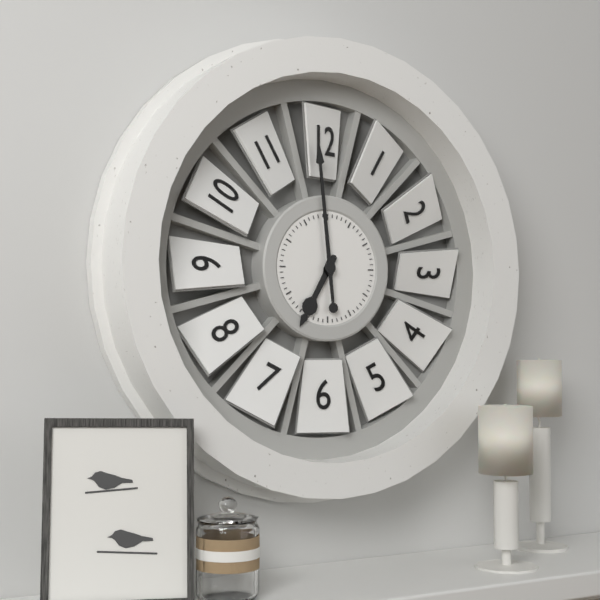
6:59
